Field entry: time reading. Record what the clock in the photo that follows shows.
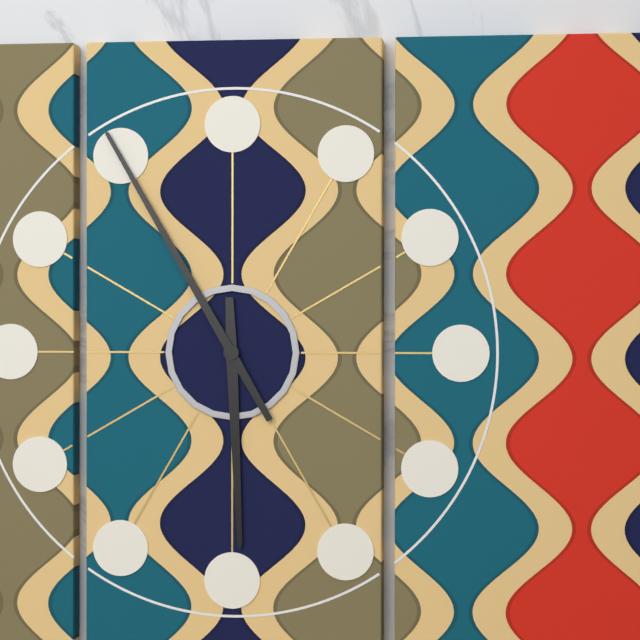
5:55
